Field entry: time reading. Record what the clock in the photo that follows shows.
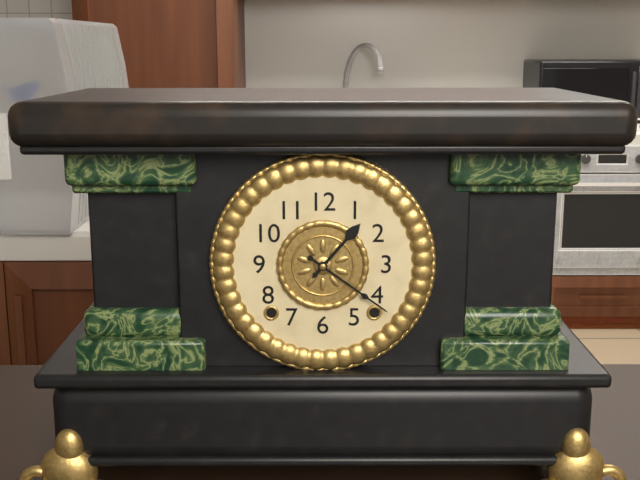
1:21
